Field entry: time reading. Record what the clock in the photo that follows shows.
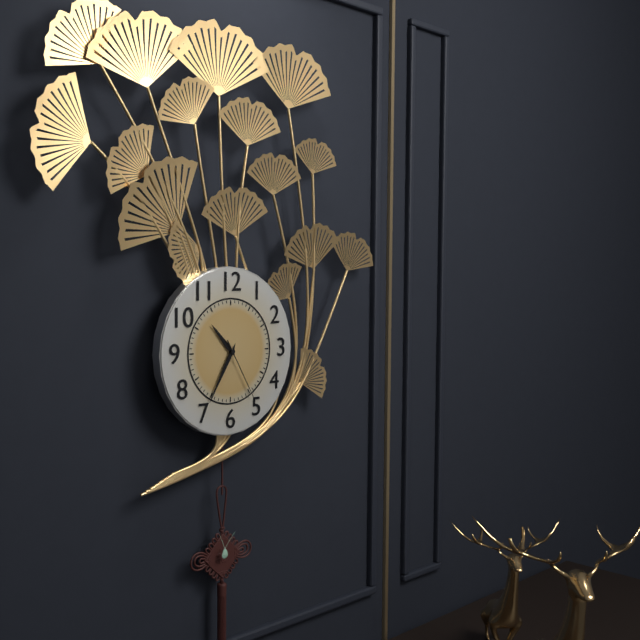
10:35:25
